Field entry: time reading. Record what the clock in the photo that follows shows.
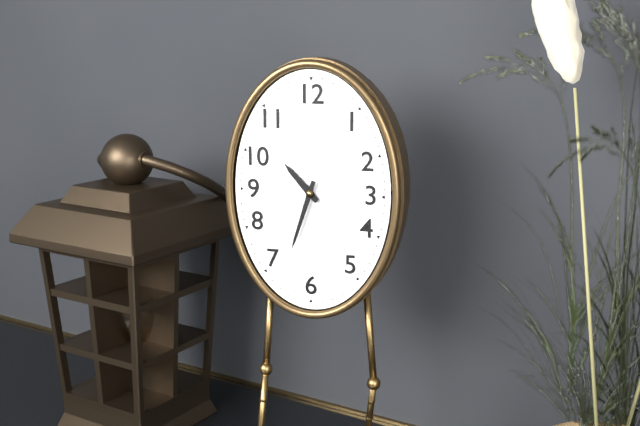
10:33
